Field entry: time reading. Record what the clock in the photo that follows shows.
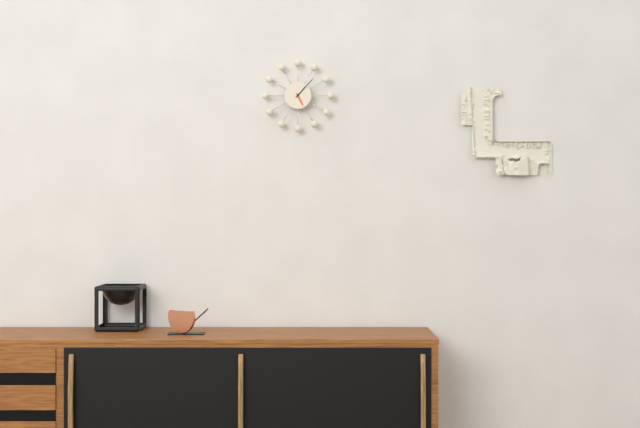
5:07
